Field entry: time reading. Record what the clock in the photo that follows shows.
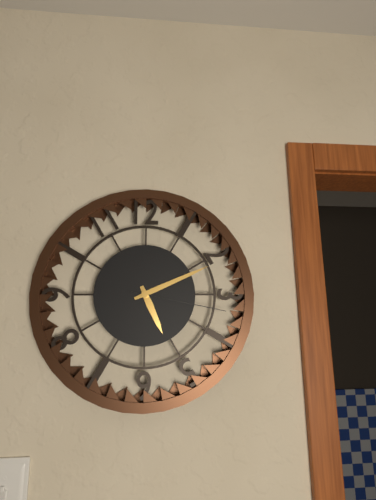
5:11:17
